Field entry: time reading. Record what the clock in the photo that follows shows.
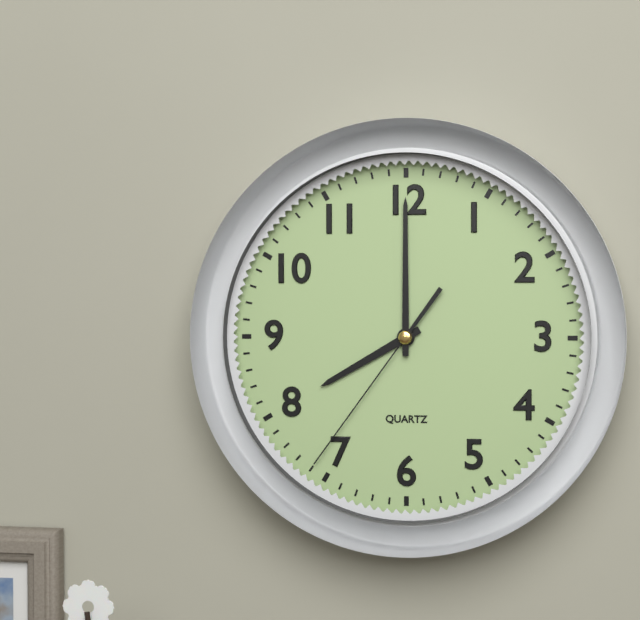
8:00:36
